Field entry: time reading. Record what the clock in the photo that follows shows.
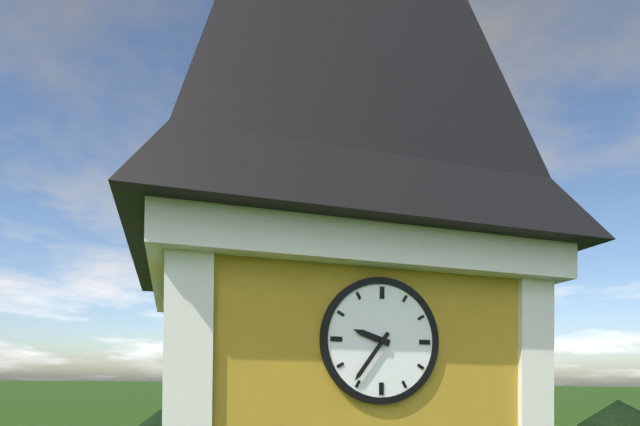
9:36
